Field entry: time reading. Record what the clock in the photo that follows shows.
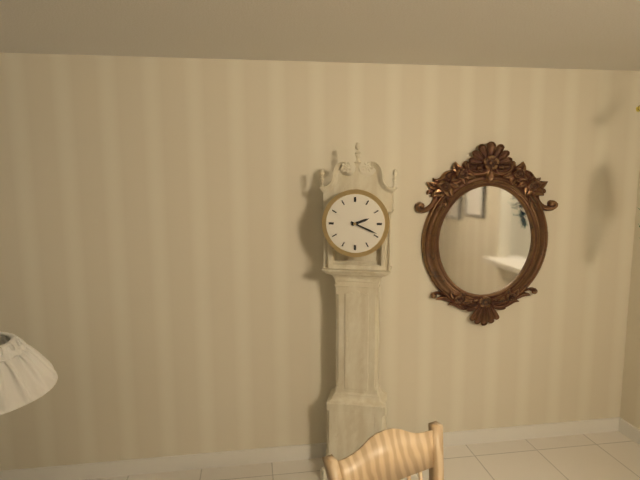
2:19
